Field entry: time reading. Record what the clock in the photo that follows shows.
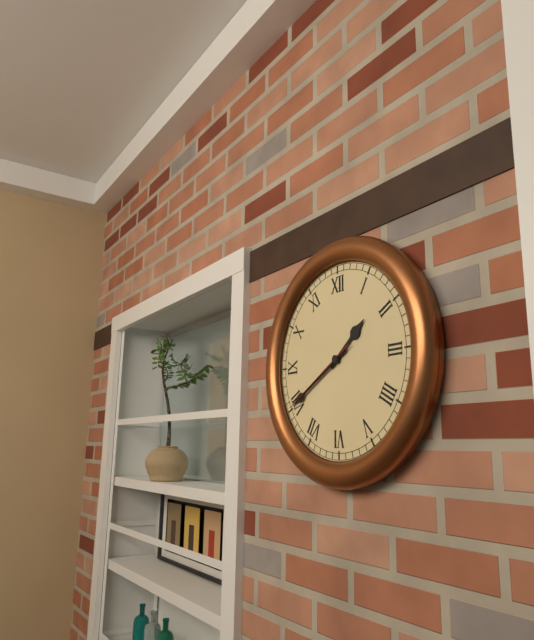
1:40:40
